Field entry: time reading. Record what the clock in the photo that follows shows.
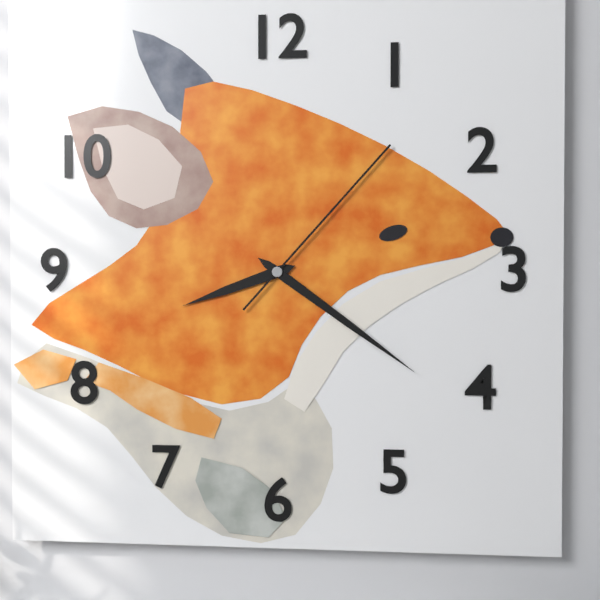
8:21:07
